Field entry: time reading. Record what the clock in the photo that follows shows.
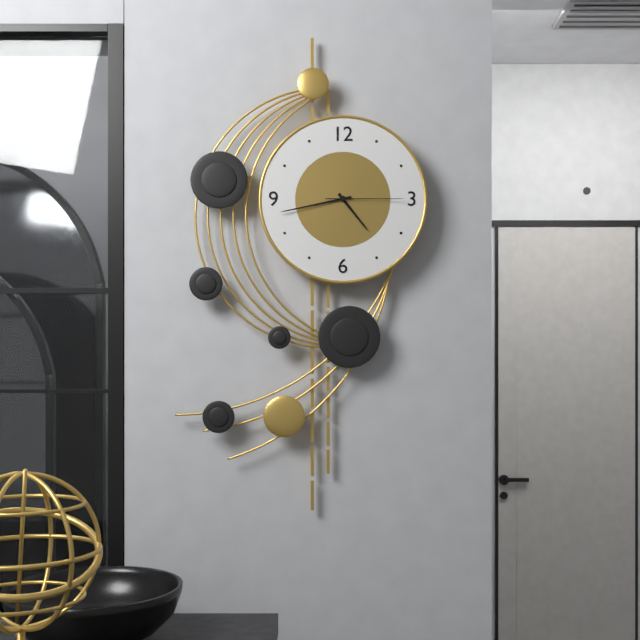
4:43:15
